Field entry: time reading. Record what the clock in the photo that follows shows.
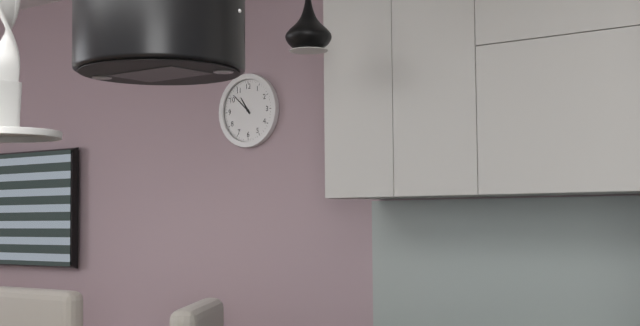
10:52
